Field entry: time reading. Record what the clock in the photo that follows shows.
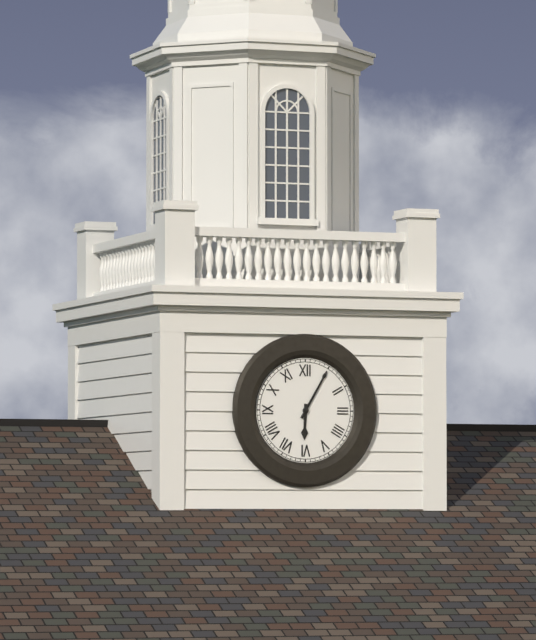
6:05
